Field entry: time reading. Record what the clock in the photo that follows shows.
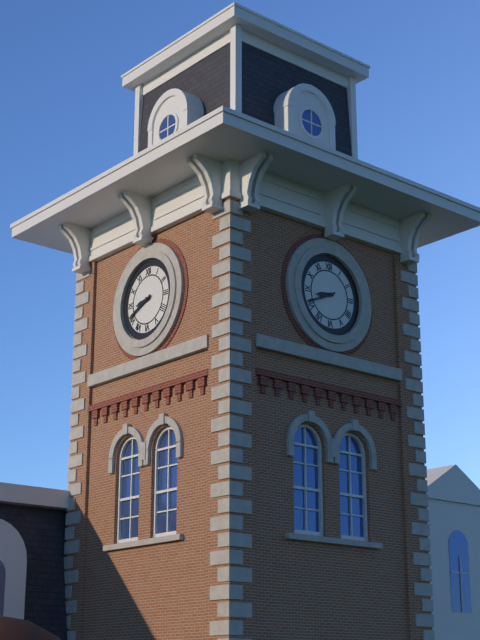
8:41
